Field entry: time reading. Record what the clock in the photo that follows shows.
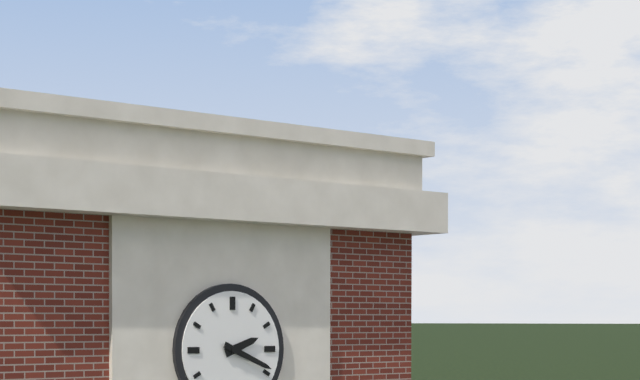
2:19
